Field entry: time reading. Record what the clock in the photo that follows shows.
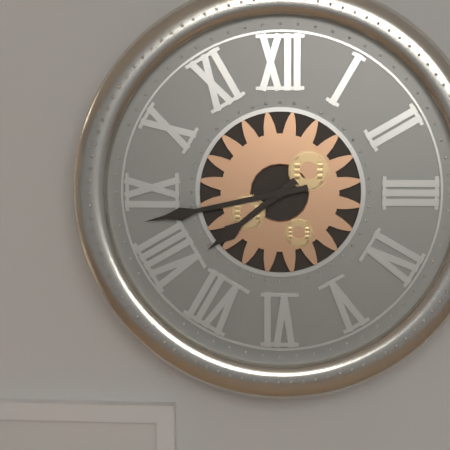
7:43
